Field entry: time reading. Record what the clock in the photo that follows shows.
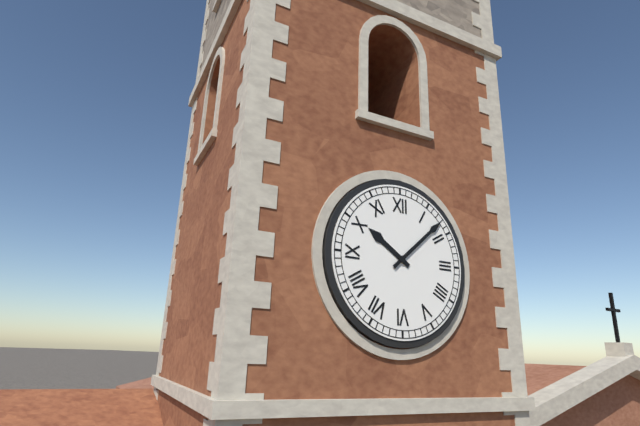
10:08
